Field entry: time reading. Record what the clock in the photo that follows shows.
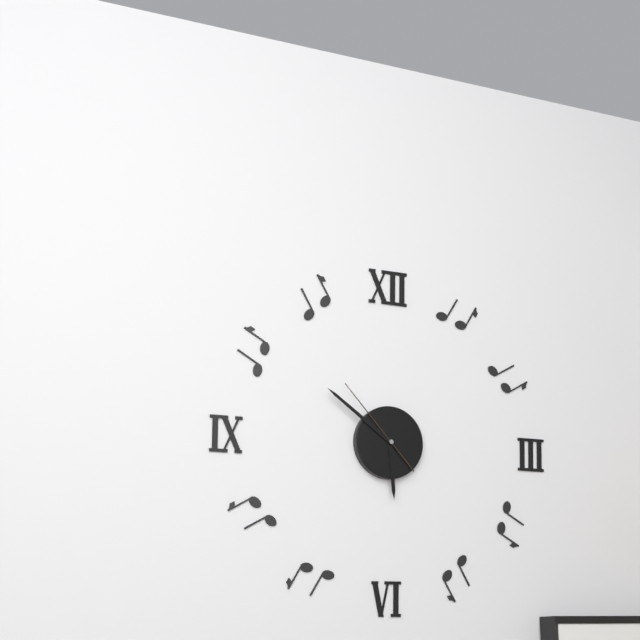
5:51:53
